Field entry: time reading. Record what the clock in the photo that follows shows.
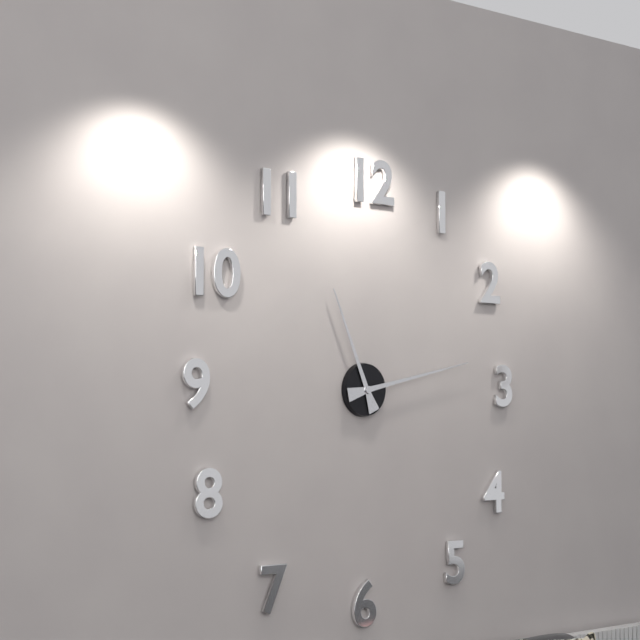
11:13
